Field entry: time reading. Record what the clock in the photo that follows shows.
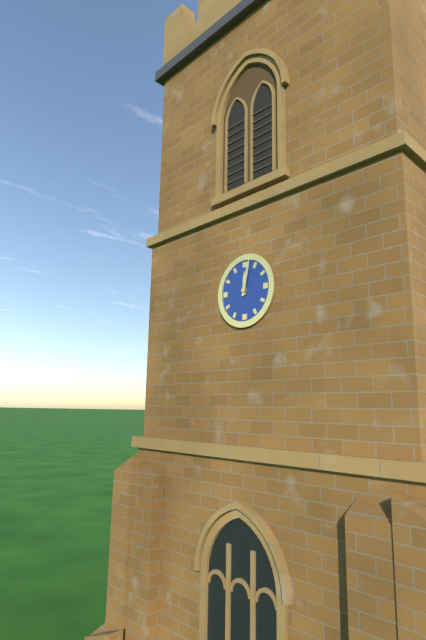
12:02
